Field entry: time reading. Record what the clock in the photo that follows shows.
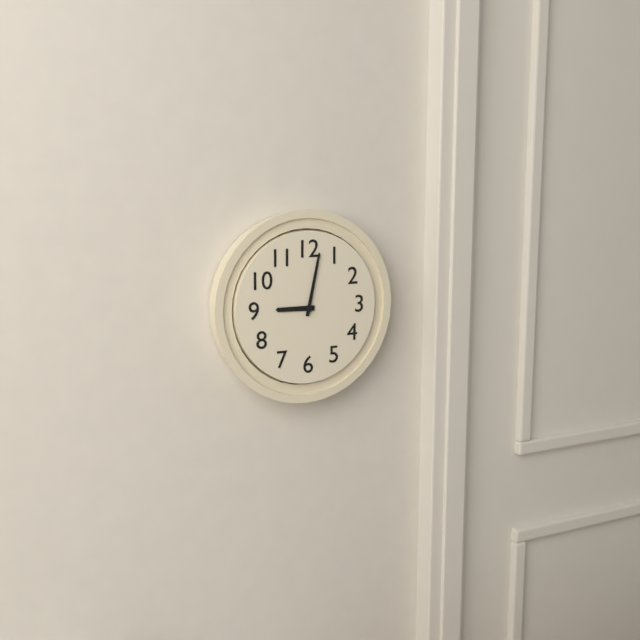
9:02
